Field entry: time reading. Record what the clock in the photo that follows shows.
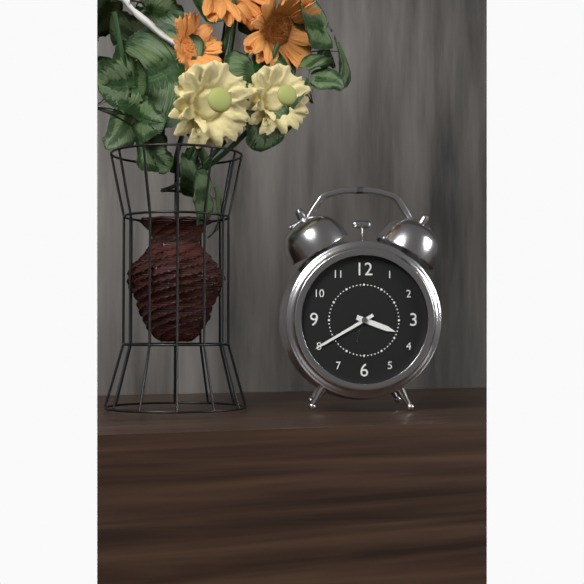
3:40
